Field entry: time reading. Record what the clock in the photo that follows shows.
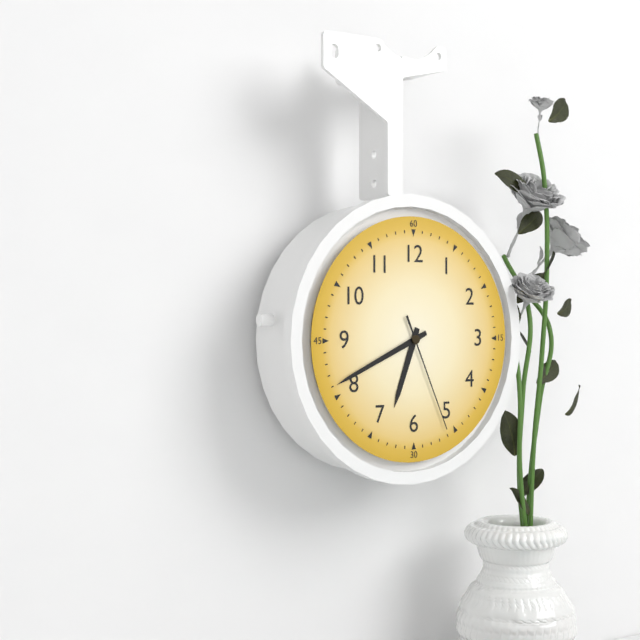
6:41:26
